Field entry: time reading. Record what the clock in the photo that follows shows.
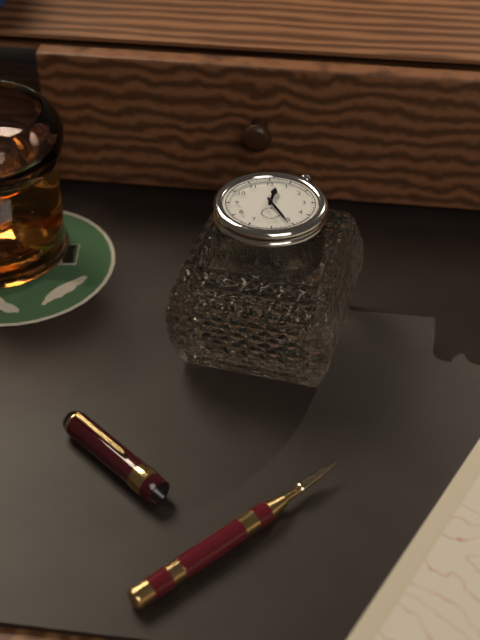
12:26
